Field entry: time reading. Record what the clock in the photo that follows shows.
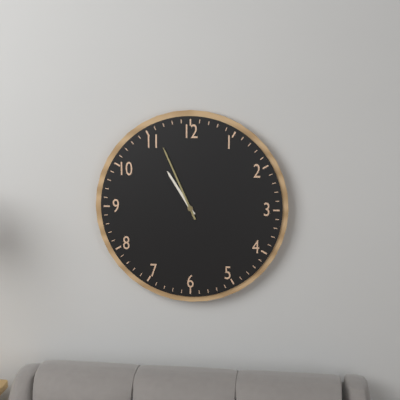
10:56
